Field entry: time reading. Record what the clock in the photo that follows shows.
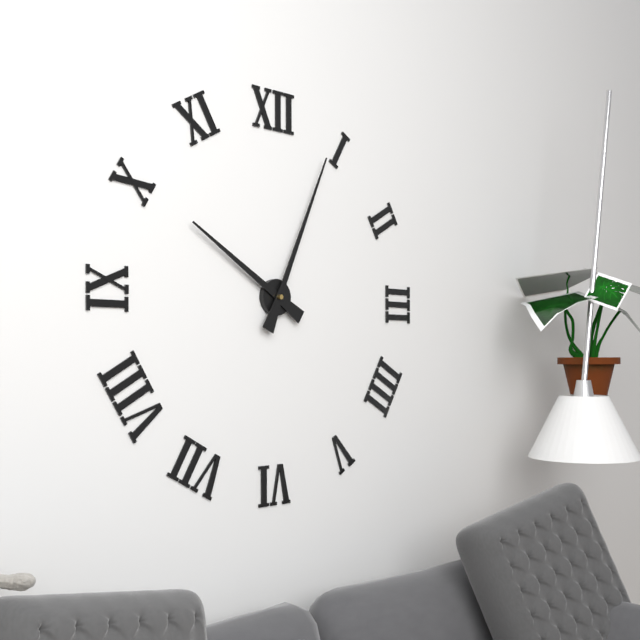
10:04
